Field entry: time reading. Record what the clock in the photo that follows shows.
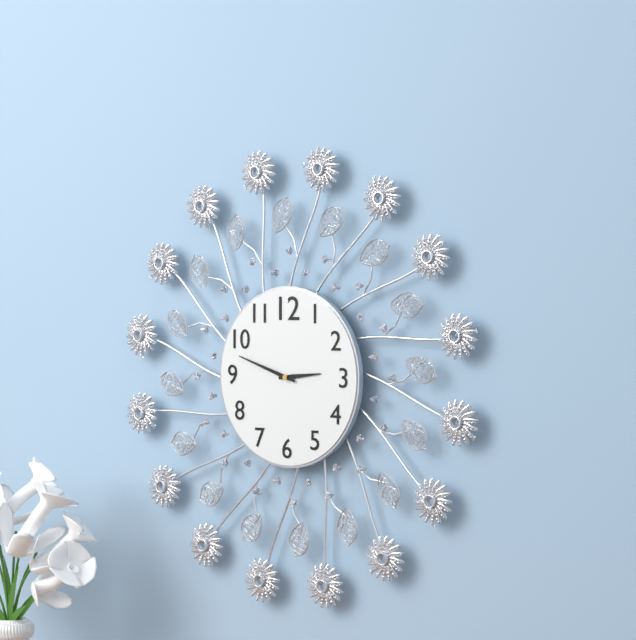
2:48
